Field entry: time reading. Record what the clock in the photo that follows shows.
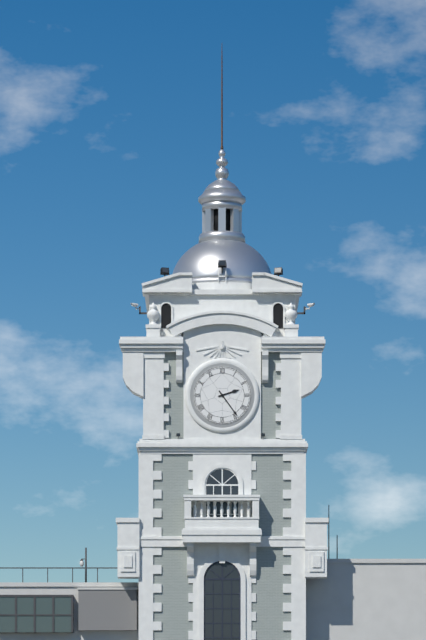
2:24
